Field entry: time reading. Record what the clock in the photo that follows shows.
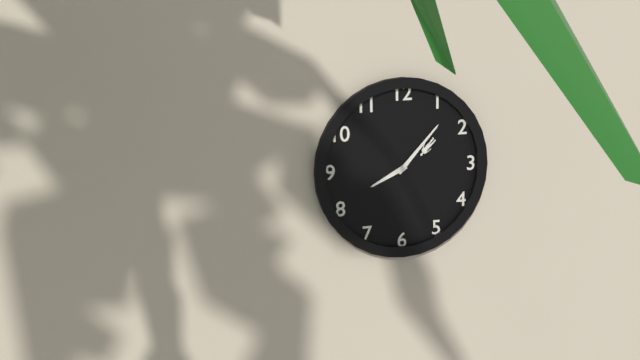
8:07
